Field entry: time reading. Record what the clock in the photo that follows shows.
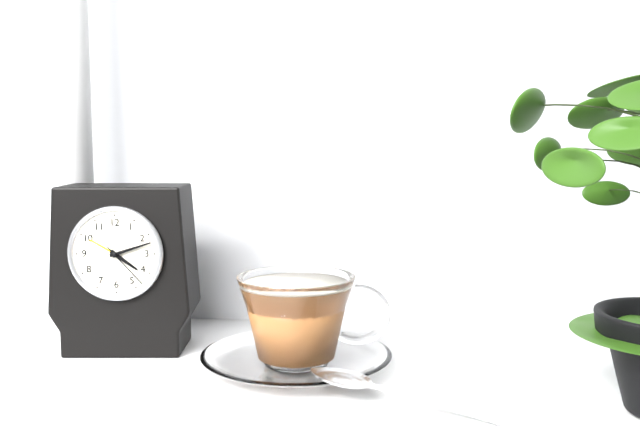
4:12:23
